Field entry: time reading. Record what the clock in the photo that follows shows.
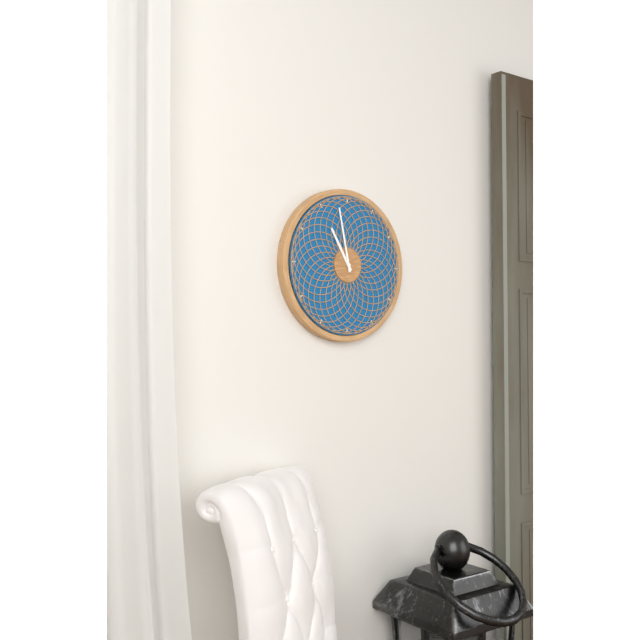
10:58
